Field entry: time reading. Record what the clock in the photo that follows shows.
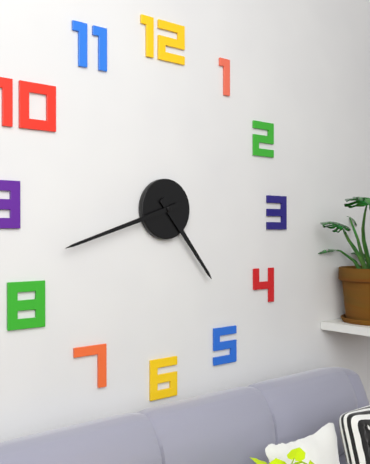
4:42
